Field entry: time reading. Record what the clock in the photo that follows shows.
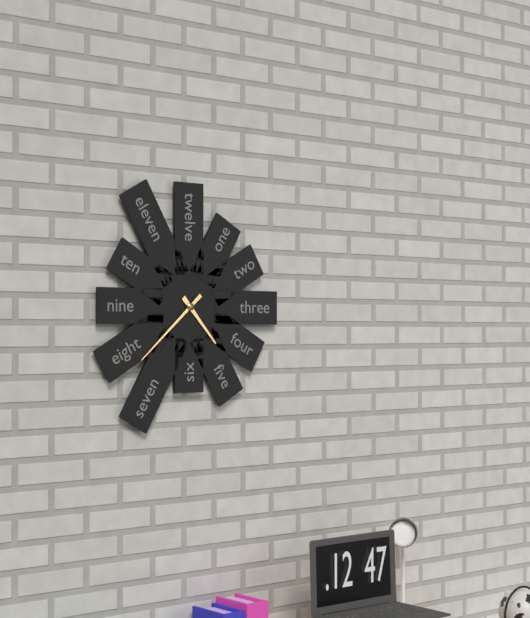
4:38
